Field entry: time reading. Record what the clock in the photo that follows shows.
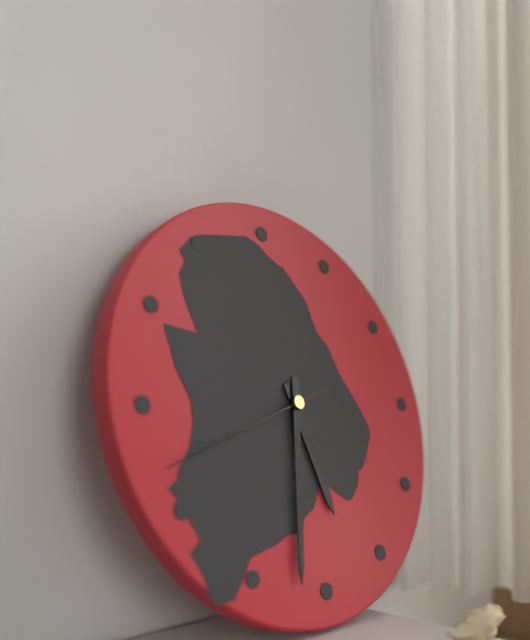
5:32:42
